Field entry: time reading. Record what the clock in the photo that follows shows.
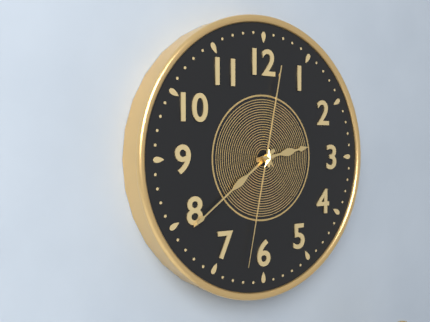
2:39:32
